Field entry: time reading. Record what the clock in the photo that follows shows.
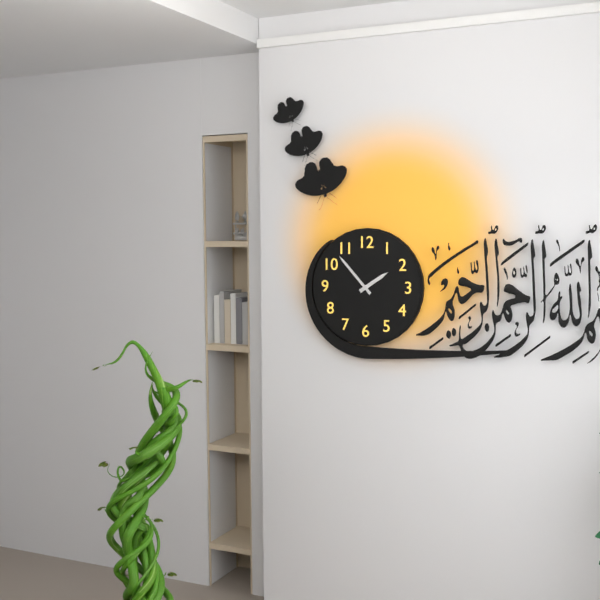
1:53
